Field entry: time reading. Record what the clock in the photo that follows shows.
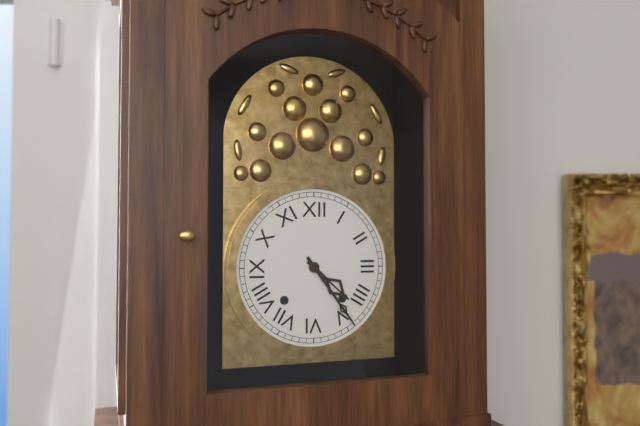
4:24
